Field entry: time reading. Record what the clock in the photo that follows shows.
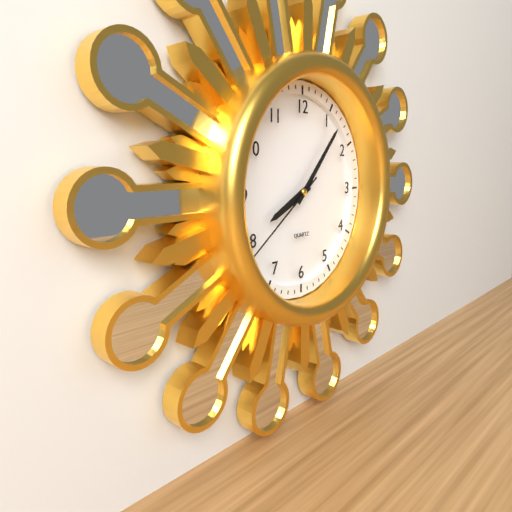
8:07:39
